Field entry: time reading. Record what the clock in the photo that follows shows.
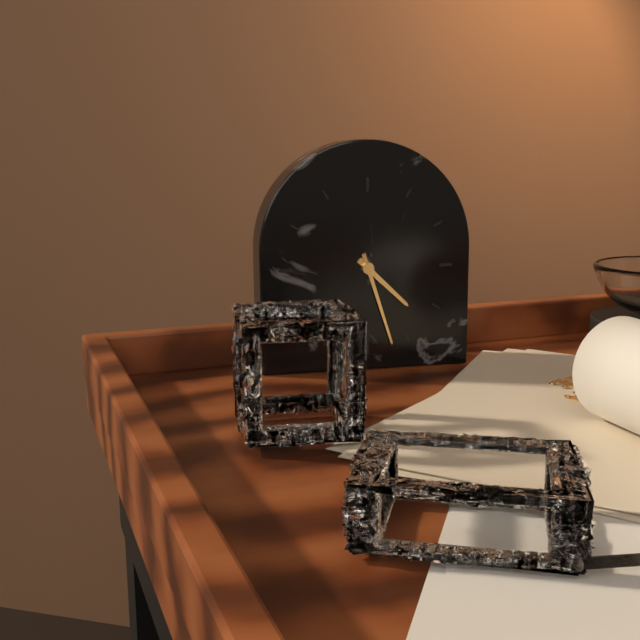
4:27
